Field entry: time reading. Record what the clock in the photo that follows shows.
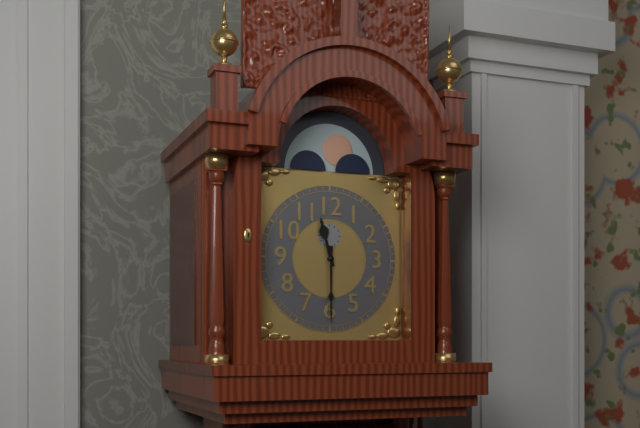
11:30
